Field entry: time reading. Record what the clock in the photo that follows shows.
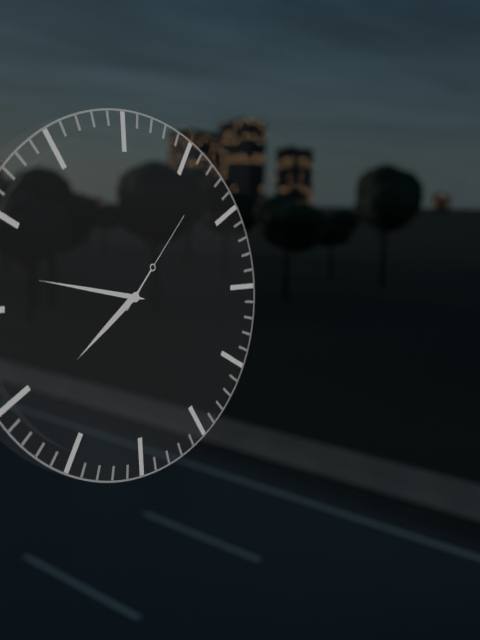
7:47:07
